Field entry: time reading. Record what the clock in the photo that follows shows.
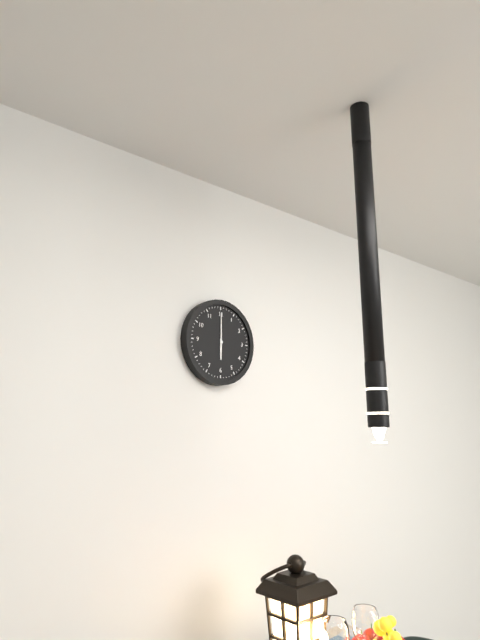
6:00
